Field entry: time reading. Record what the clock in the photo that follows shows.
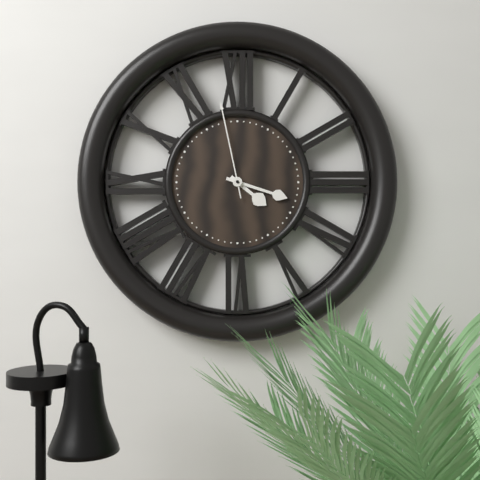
4:18:58
